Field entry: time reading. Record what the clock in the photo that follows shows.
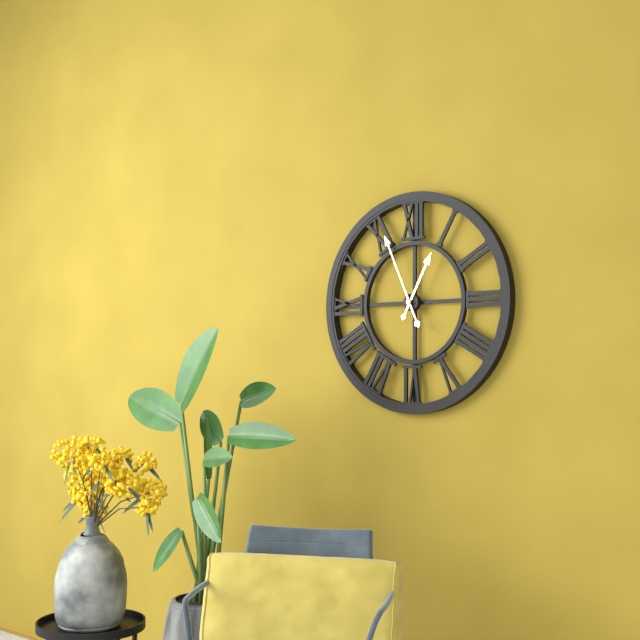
12:56
